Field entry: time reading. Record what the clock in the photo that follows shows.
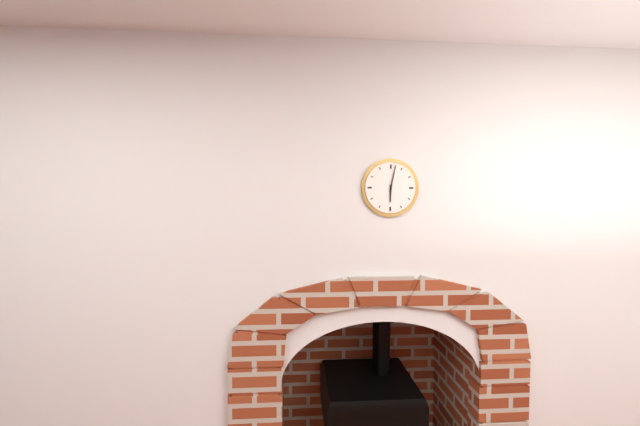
6:02
